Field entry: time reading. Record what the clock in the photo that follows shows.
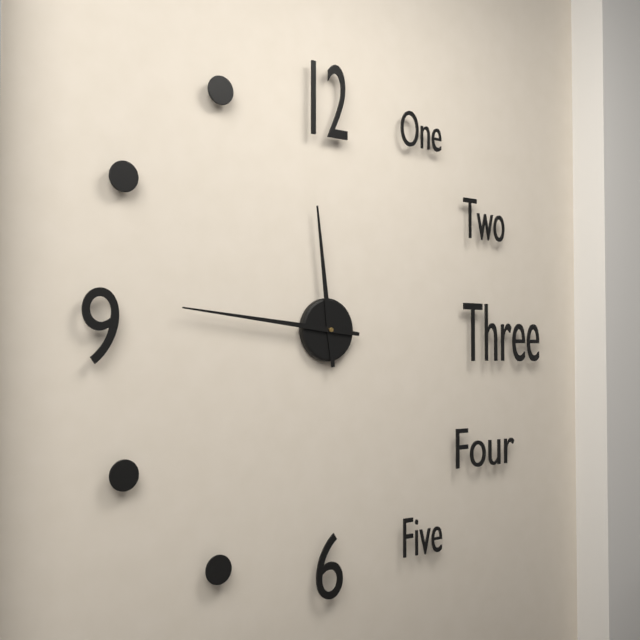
11:46
